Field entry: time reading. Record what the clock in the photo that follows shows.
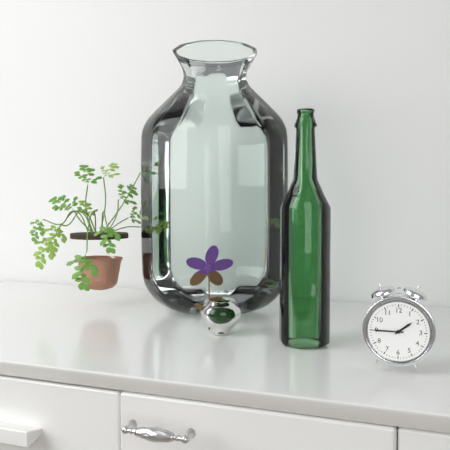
1:45
